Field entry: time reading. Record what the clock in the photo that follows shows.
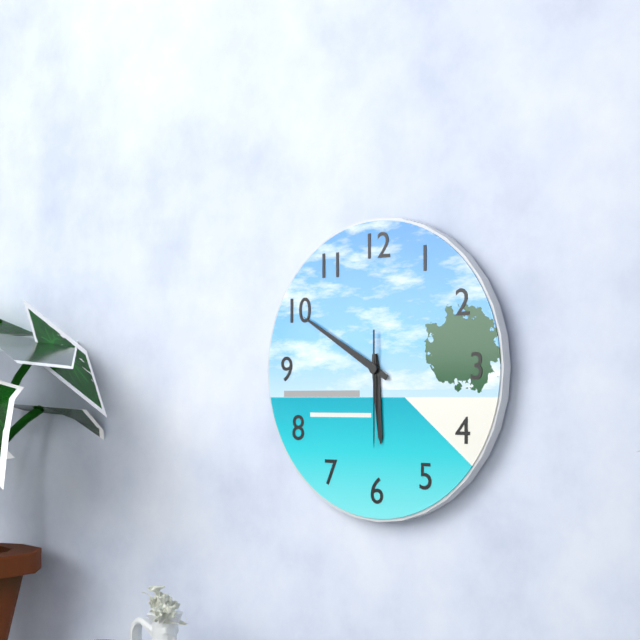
5:50:30
